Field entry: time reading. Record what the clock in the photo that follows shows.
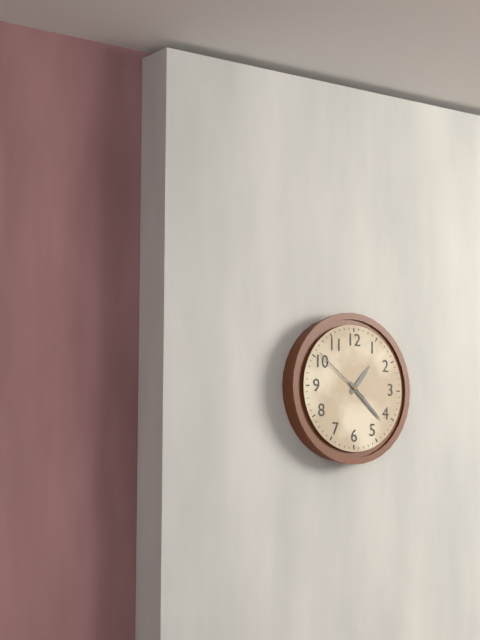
1:22:51
